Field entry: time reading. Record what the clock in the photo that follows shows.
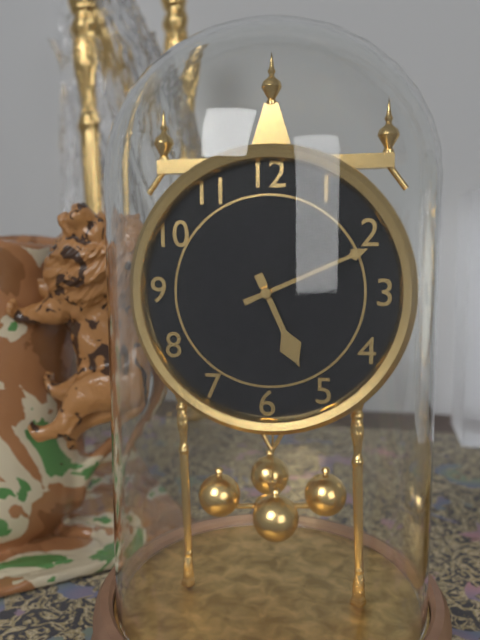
5:11
